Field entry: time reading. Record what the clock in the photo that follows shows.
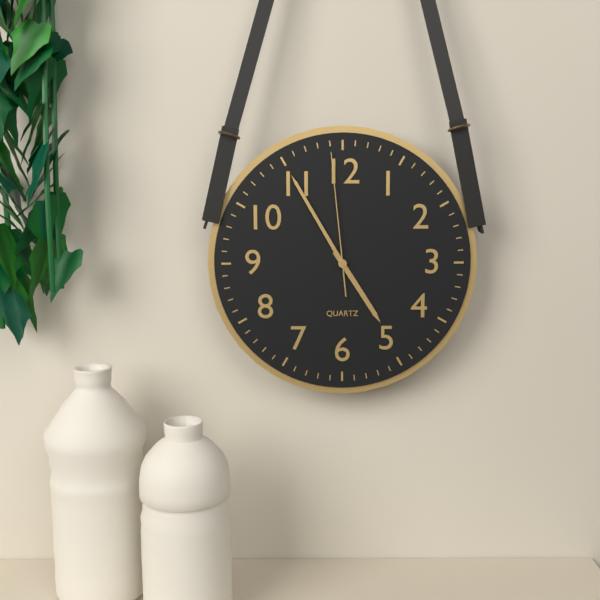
4:55:59
